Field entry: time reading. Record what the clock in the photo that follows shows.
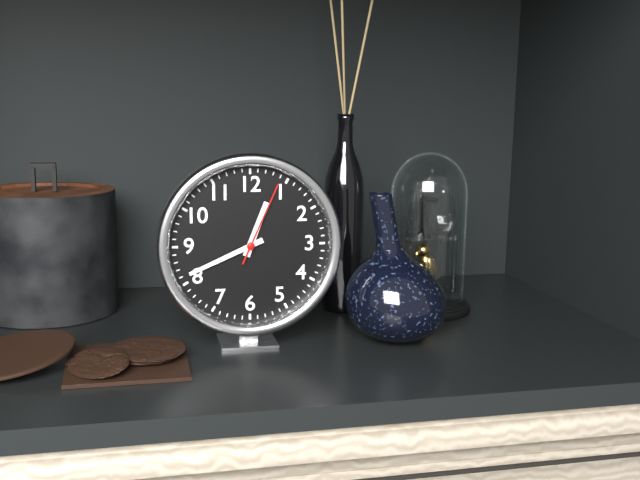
12:41:04
